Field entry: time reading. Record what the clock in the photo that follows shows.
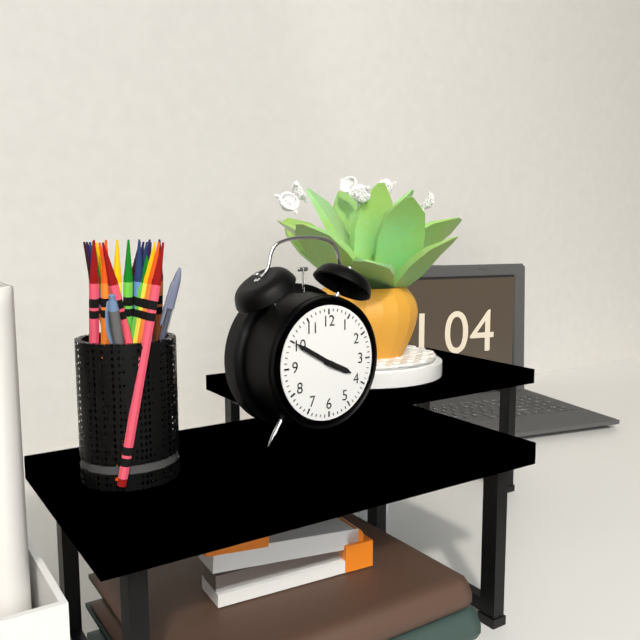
3:50:50
